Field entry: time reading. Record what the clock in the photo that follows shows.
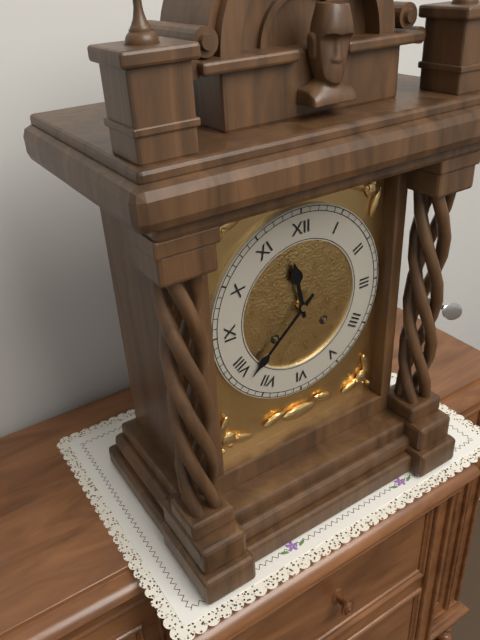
11:38
